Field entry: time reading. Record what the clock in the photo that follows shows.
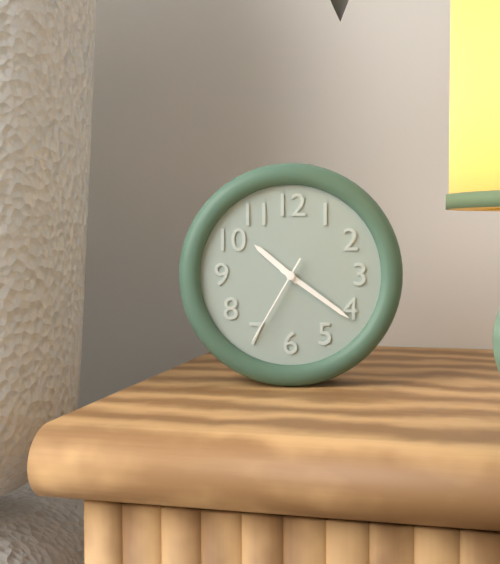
10:21:35
